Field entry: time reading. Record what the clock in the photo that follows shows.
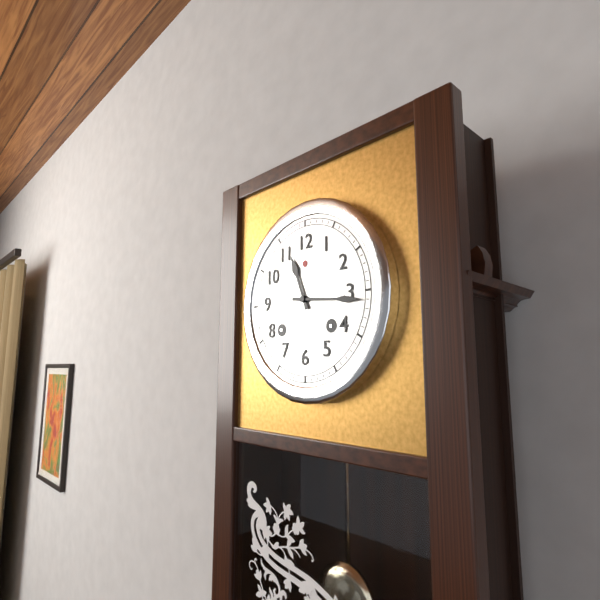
11:16
